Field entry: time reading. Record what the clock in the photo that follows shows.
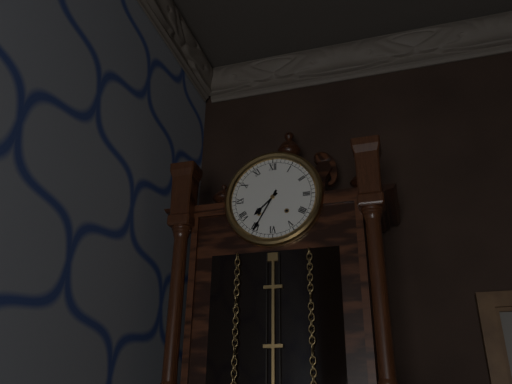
7:35
